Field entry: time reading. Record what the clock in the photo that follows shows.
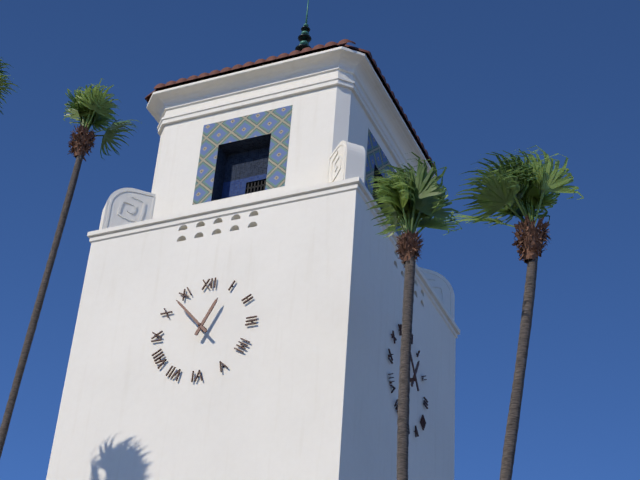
12:53
